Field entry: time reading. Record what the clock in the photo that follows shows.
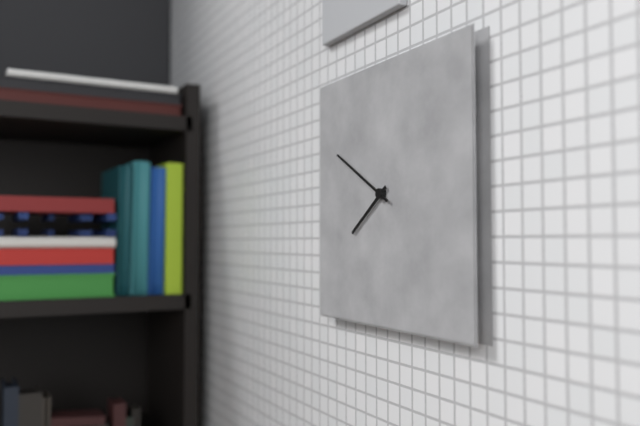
7:50
